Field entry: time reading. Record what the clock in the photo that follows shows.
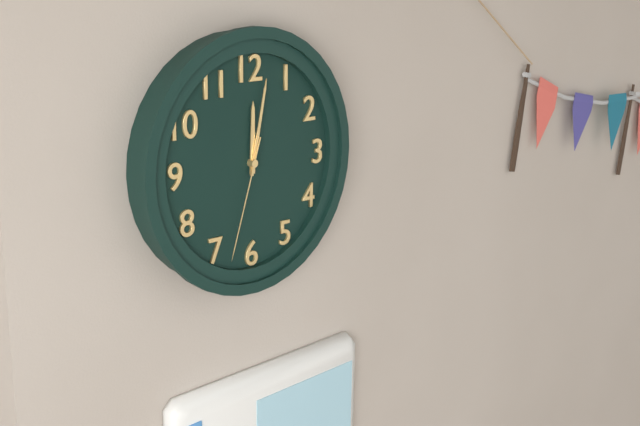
12:02:33
